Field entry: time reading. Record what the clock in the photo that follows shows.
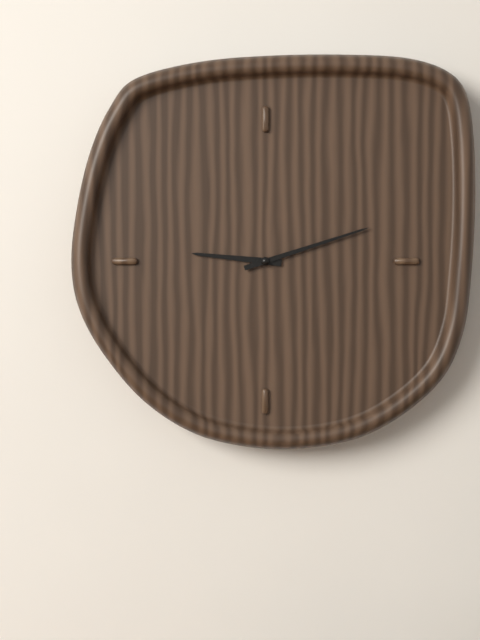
9:12
